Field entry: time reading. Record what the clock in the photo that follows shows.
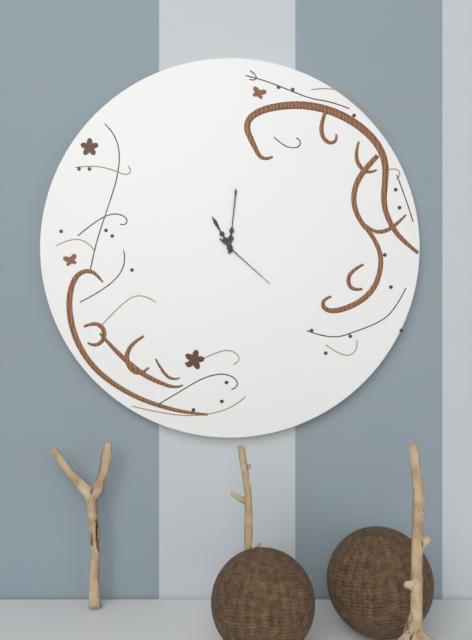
11:01:22
